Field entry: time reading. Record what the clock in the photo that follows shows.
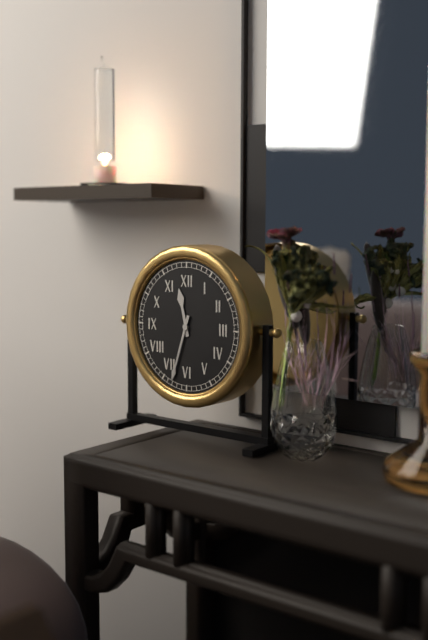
11:33
